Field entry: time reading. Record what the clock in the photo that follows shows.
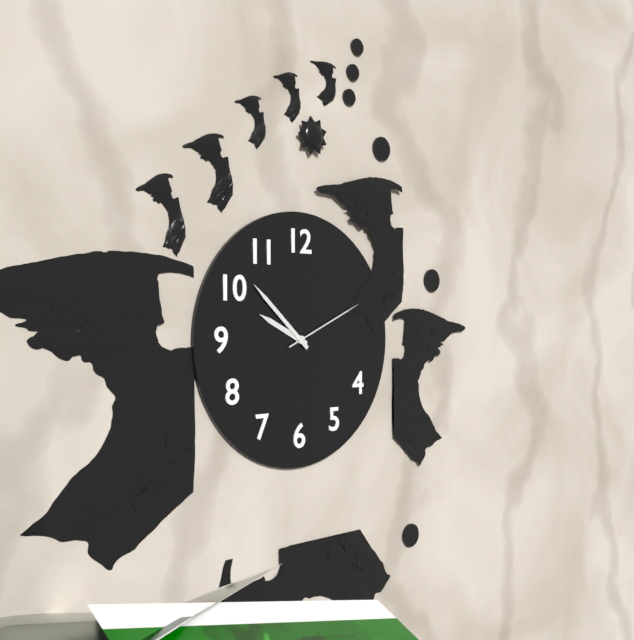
9:52:11
